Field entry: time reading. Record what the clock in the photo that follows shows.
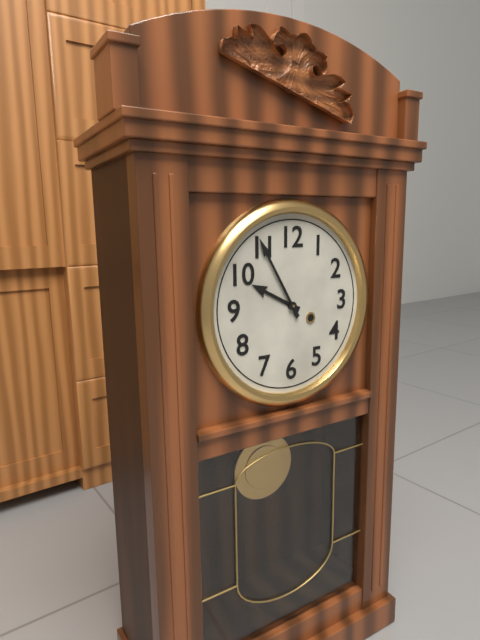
9:55
